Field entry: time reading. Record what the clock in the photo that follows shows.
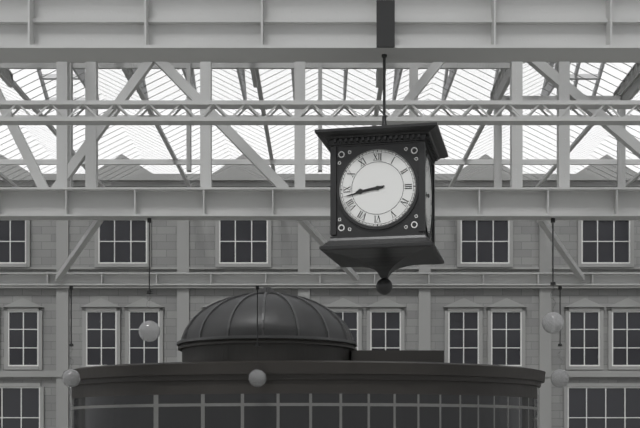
8:43
